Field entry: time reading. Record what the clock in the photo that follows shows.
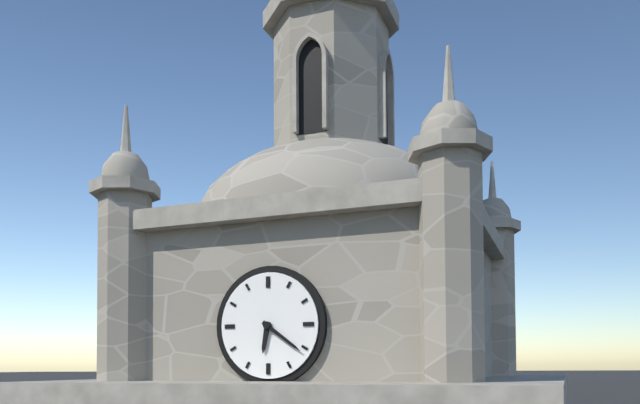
6:21
